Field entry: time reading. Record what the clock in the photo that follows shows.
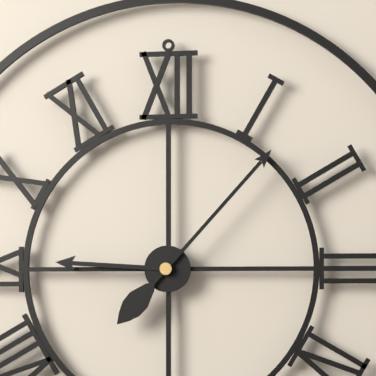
9:07
